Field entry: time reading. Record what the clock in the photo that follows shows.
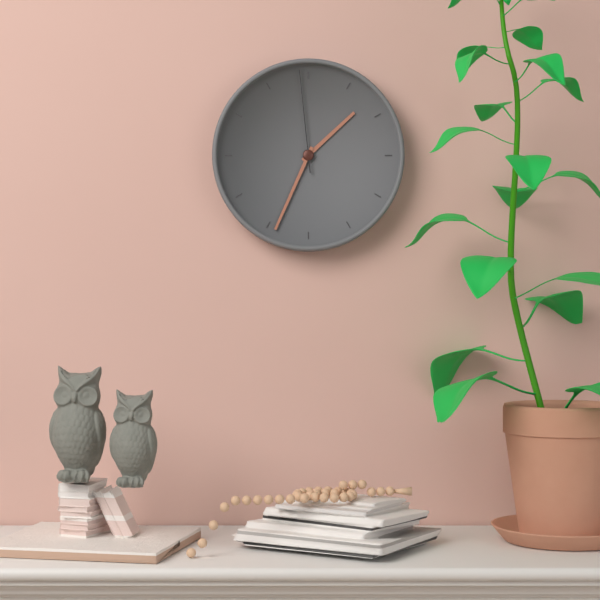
1:34:59
